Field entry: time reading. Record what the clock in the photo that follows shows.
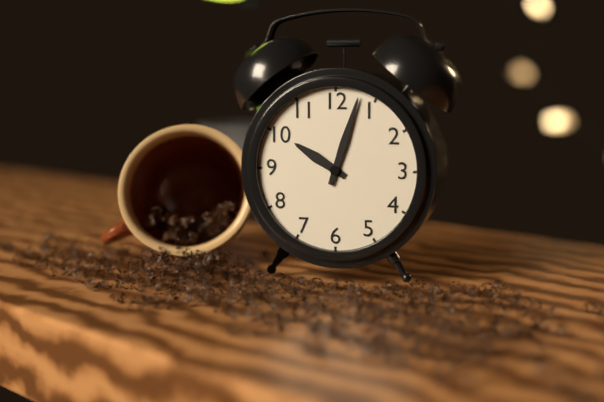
10:03
